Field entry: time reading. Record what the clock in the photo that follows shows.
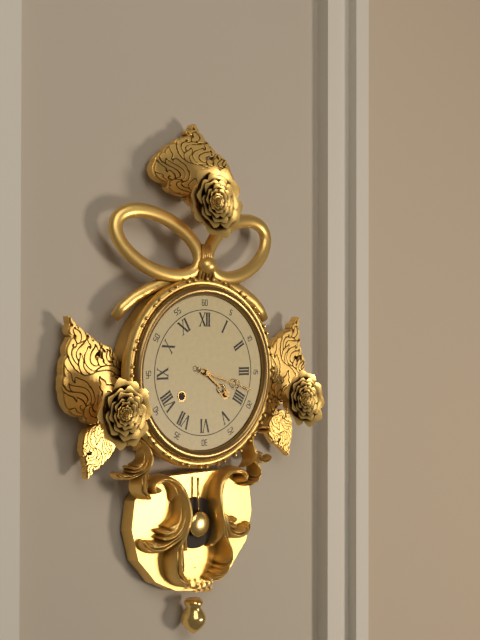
4:18
